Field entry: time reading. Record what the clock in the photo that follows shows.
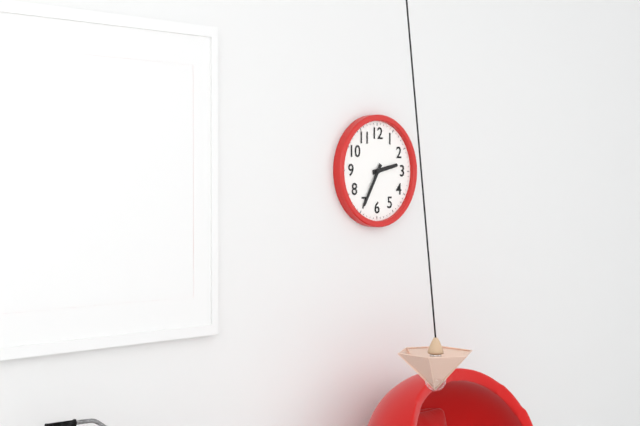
2:35
